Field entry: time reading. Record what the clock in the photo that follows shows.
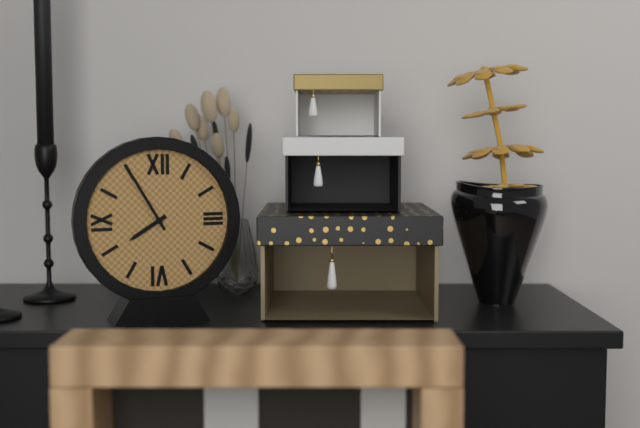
7:55
